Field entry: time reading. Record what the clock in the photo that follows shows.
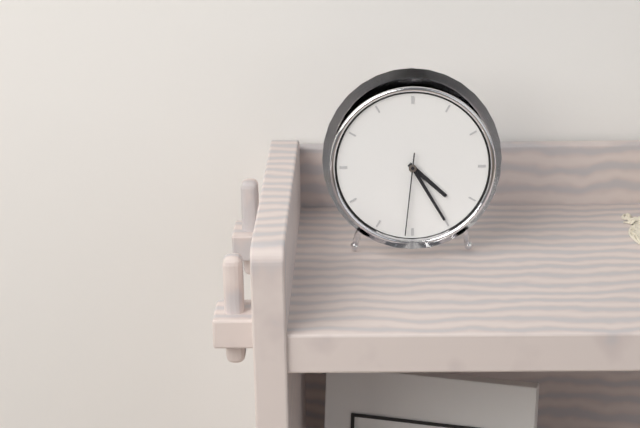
4:25:31
